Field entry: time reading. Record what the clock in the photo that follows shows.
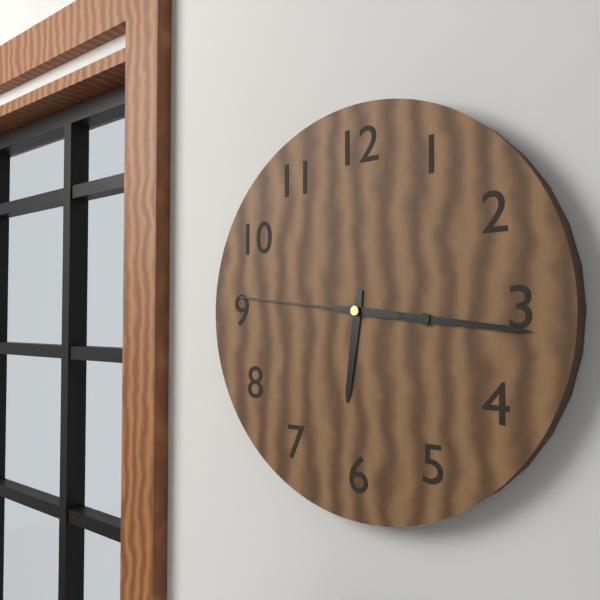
6:16:46
